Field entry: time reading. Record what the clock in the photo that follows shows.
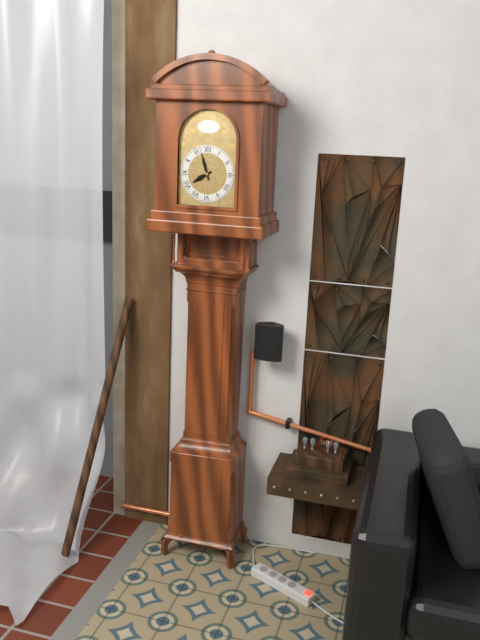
7:57
